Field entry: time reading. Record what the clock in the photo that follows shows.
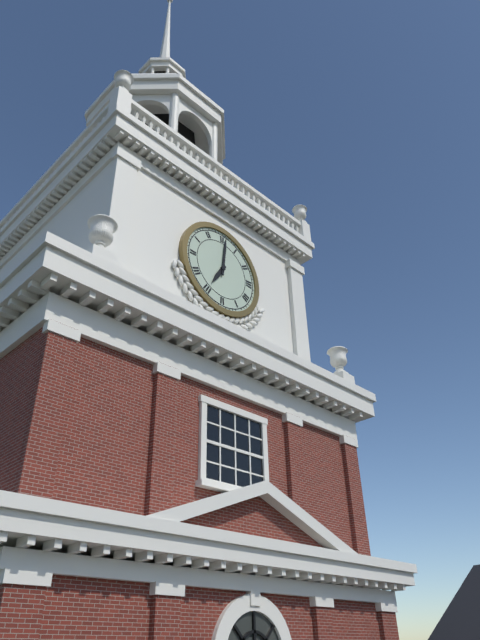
7:01
